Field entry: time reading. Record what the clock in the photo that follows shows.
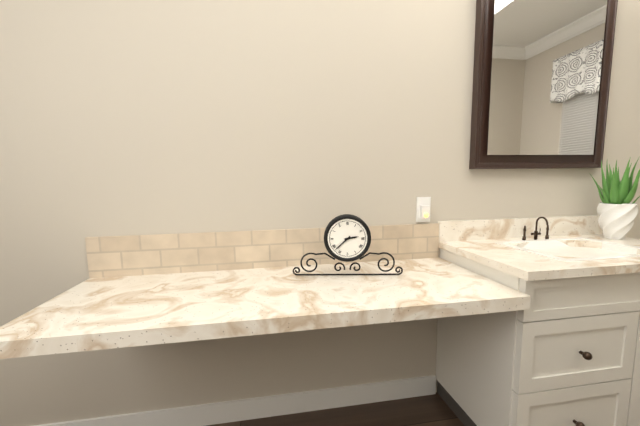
2:38
